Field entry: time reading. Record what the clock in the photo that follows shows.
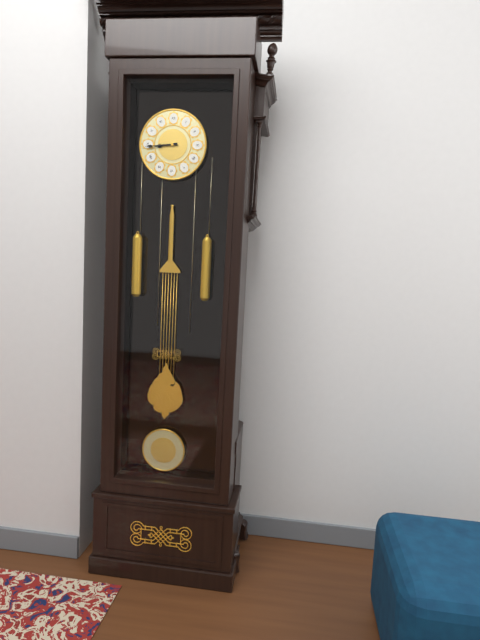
8:44
